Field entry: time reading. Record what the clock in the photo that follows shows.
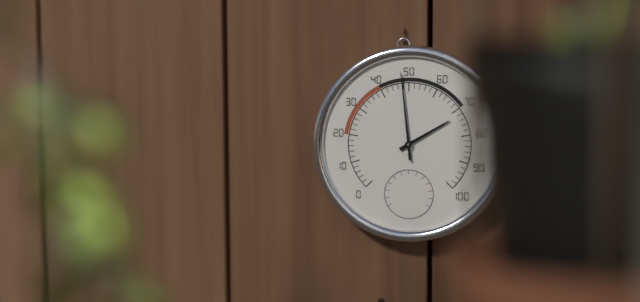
1:59
